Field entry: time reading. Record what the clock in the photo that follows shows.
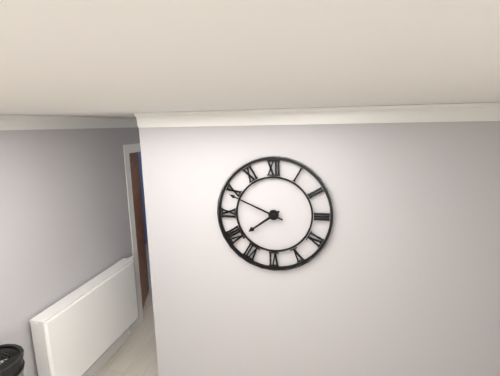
7:49
